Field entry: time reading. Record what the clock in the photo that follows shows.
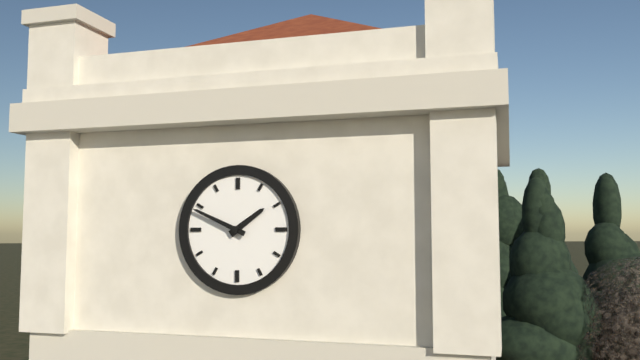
1:49
